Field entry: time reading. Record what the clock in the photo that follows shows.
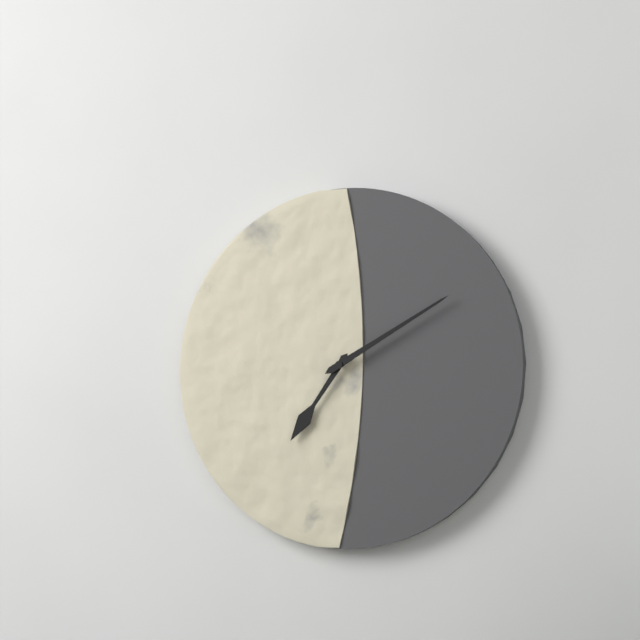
7:10
